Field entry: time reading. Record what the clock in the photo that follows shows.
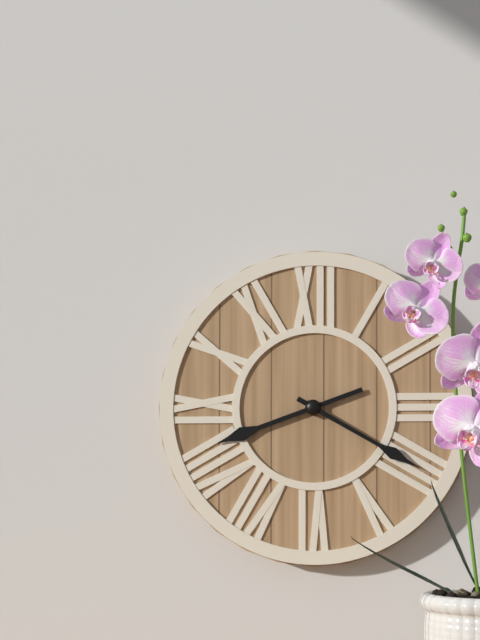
8:20
